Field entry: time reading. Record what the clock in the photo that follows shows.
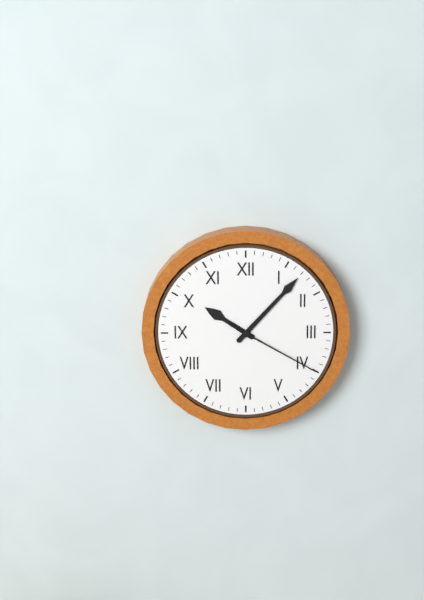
10:07:20
